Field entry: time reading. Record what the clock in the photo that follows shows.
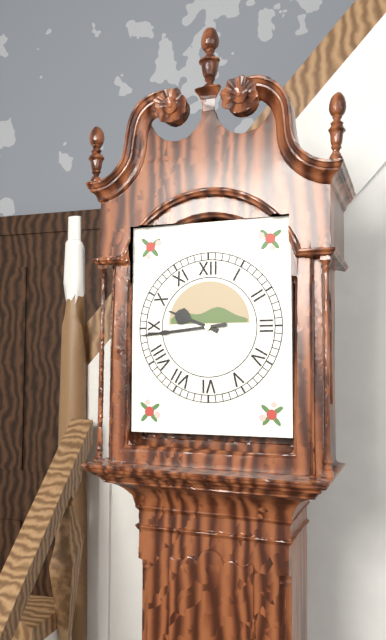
9:44
